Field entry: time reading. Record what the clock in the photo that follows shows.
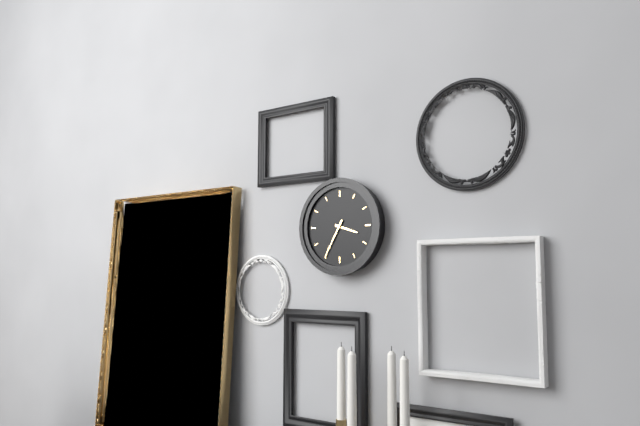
3:35
